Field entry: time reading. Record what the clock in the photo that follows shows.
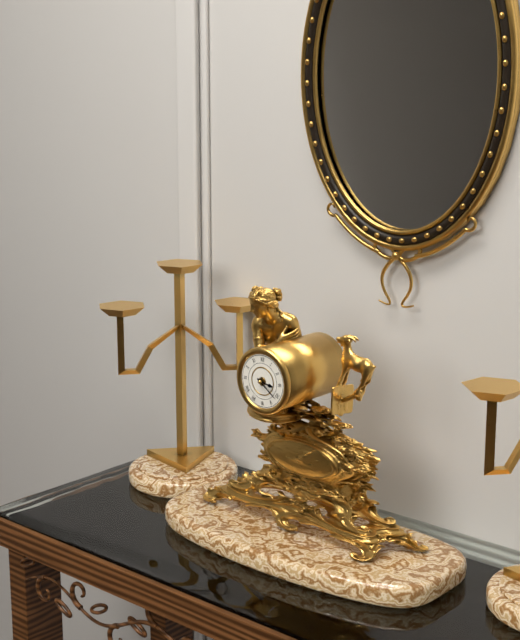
3:21
